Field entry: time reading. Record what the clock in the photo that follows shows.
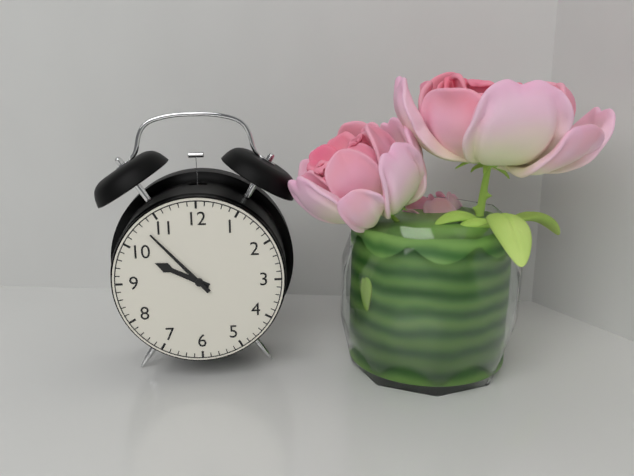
9:53
